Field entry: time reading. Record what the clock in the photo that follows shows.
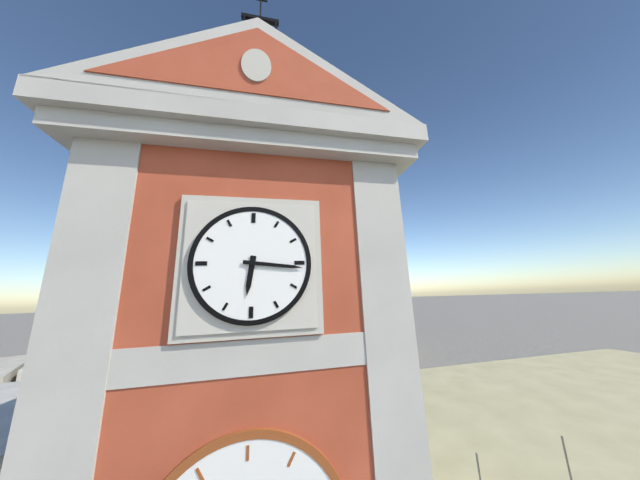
6:16
